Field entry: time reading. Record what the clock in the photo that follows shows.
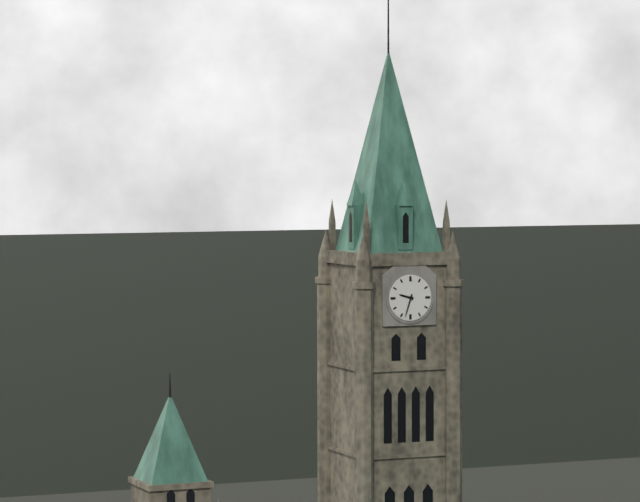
9:33
